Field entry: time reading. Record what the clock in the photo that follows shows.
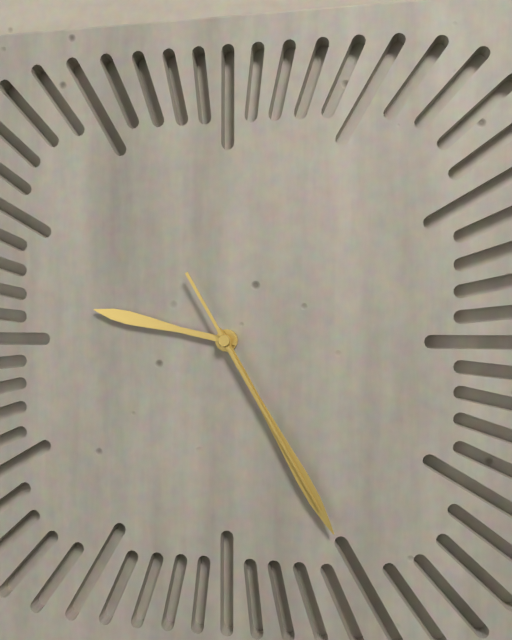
9:25:25
